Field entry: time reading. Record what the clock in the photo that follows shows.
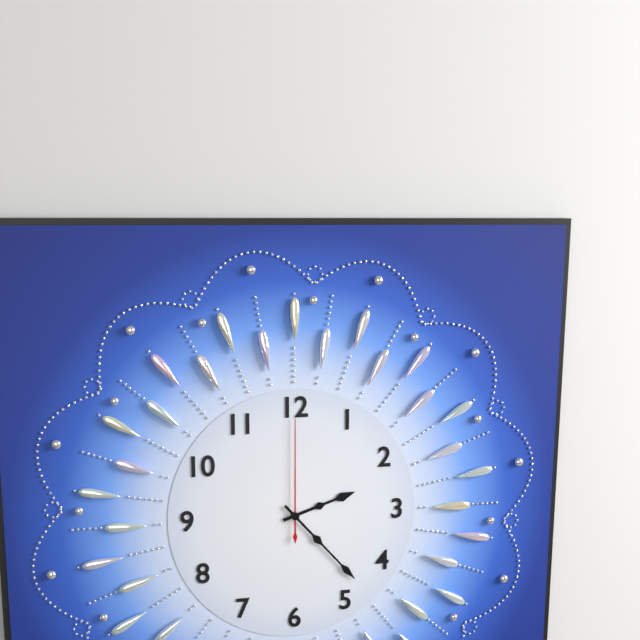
2:23:00
